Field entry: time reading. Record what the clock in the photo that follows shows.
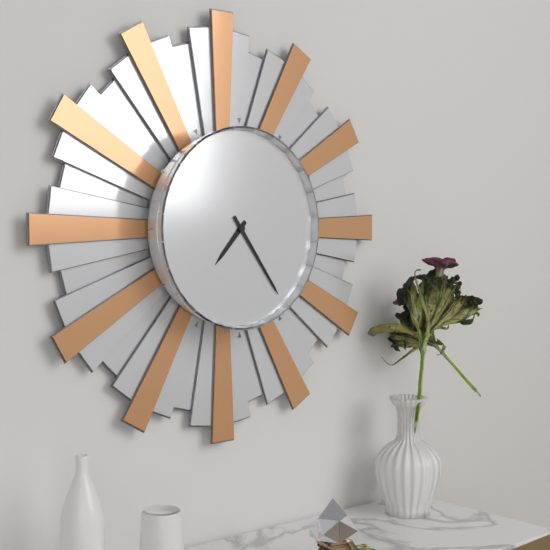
7:24
